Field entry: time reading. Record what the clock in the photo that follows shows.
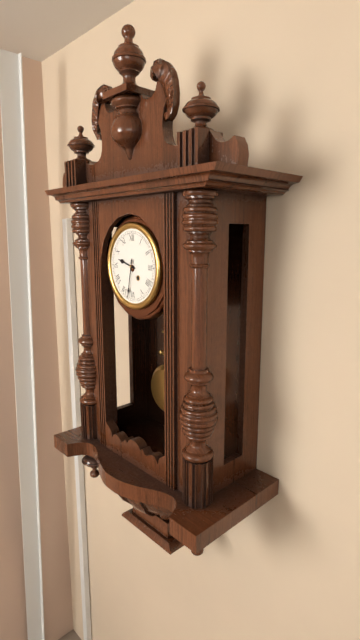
9:32
